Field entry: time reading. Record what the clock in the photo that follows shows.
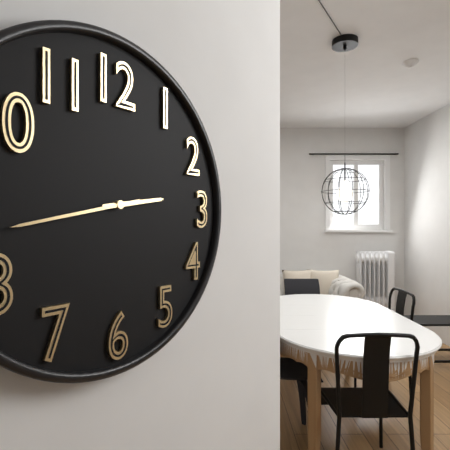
2:43
